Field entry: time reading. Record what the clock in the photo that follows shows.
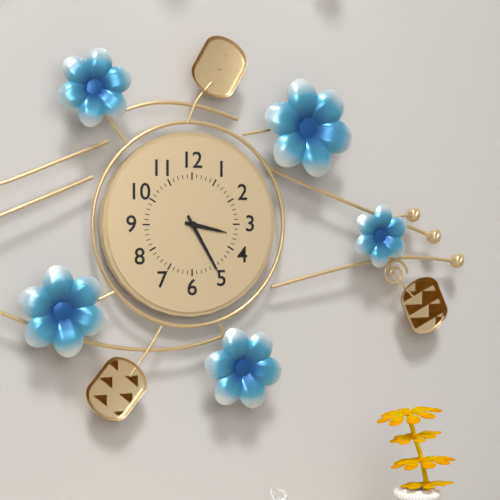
3:25
